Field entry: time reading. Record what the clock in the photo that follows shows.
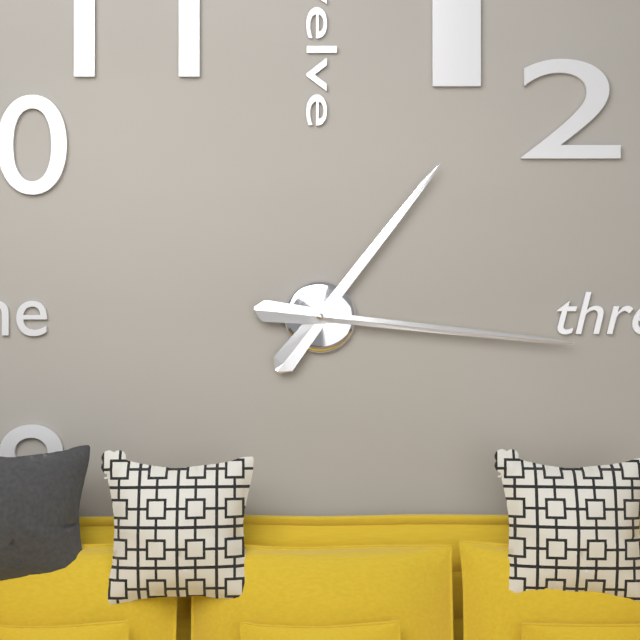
1:16
